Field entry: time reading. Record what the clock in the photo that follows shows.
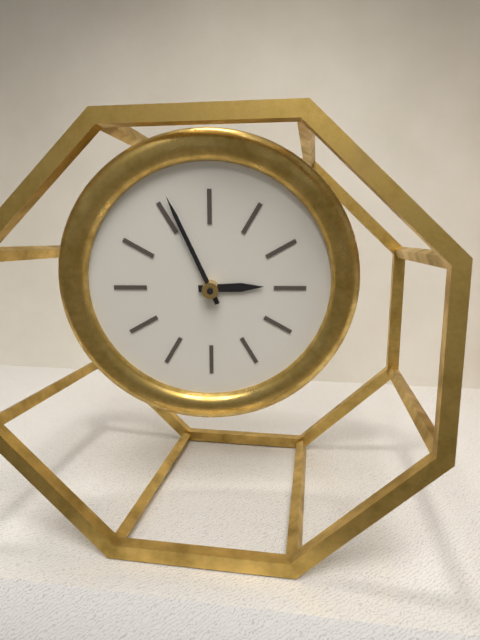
2:56
